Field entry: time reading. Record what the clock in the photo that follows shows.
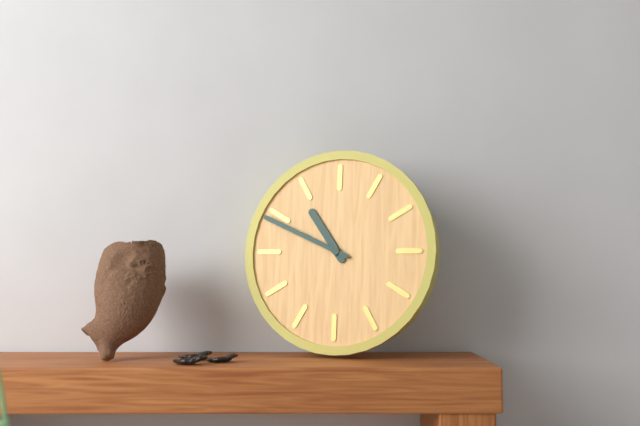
10:49
